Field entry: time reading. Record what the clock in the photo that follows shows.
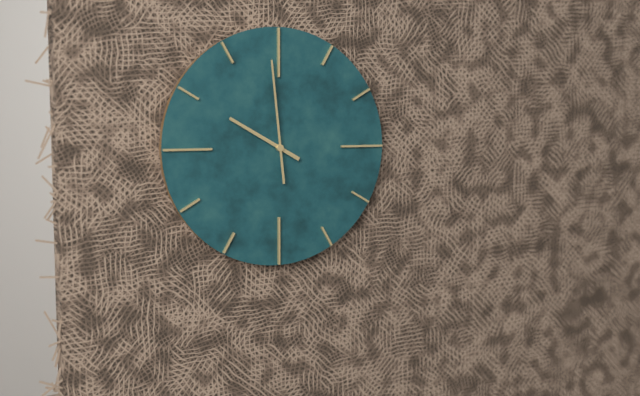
9:59
